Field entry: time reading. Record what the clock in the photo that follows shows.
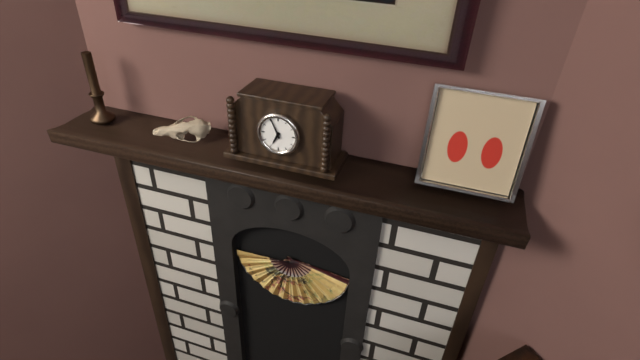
6:56
